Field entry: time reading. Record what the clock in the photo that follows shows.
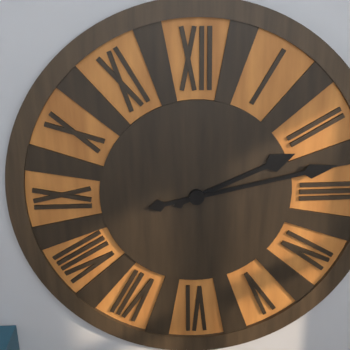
2:13
